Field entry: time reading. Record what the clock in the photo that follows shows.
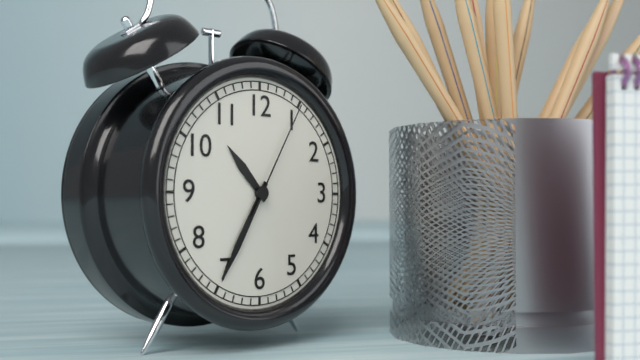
10:35:05
